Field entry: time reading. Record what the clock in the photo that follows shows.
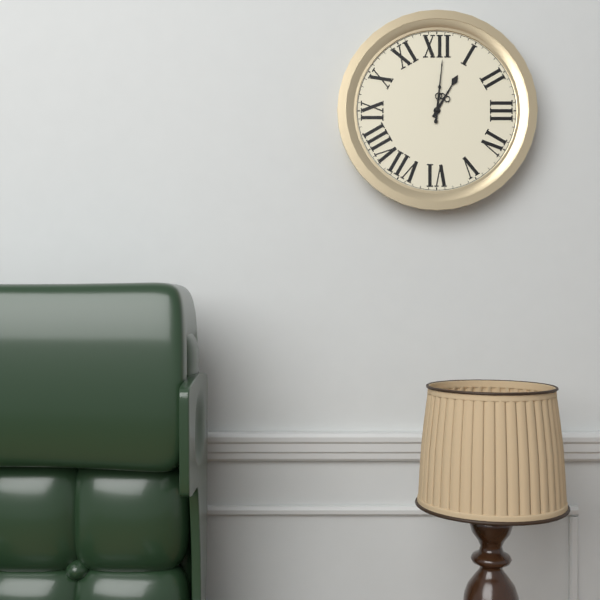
1:01
